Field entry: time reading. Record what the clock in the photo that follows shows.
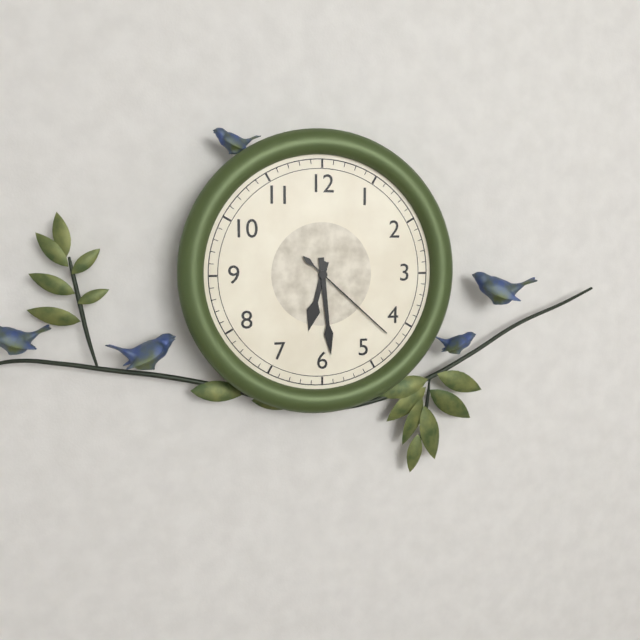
6:29:22
